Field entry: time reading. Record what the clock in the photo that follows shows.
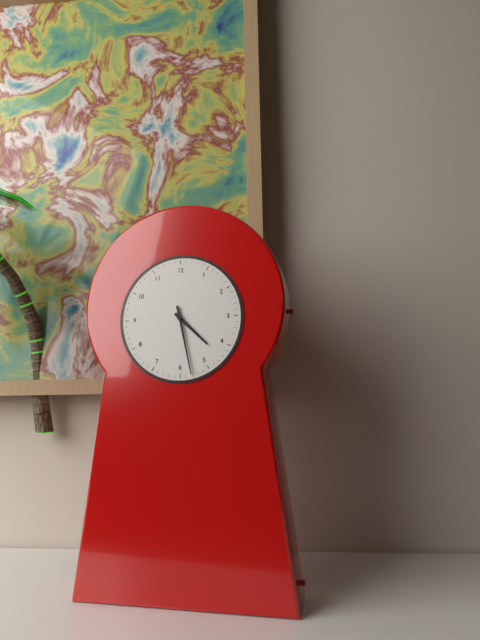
4:28
